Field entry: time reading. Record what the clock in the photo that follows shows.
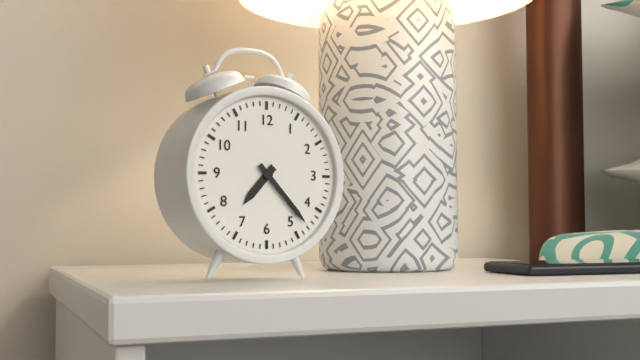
7:23
